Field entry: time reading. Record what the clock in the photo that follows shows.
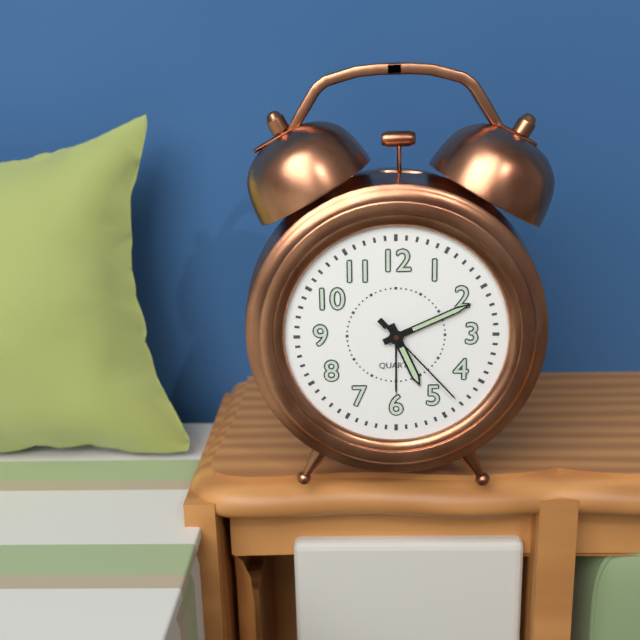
5:11:23
